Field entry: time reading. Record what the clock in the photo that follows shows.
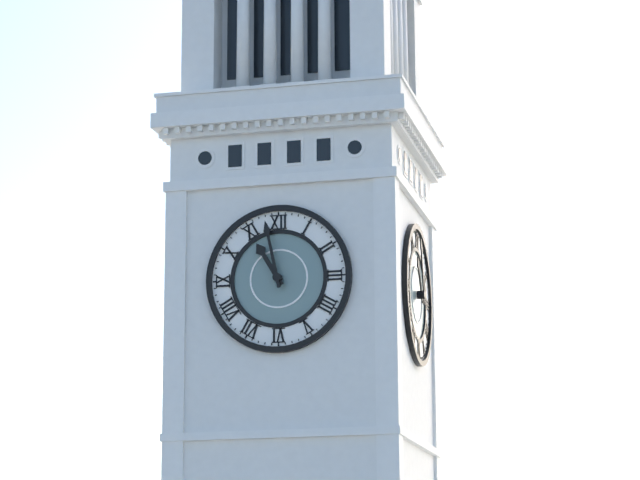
10:58
